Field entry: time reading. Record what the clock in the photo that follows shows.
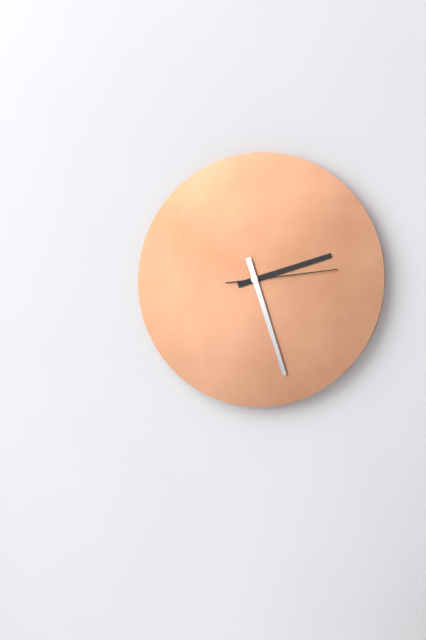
2:27:14
